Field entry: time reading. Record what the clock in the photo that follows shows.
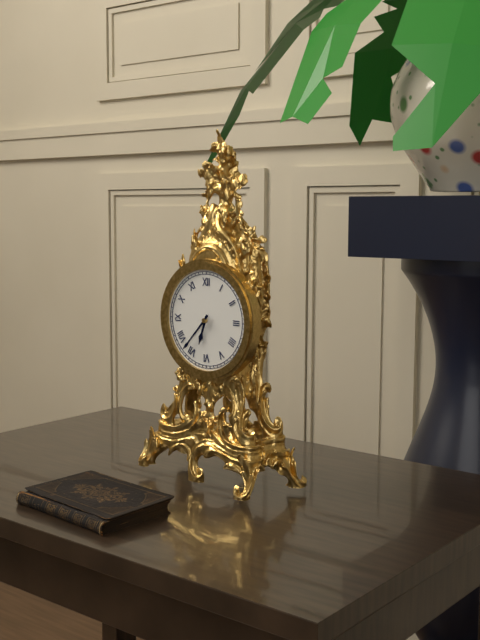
6:37
